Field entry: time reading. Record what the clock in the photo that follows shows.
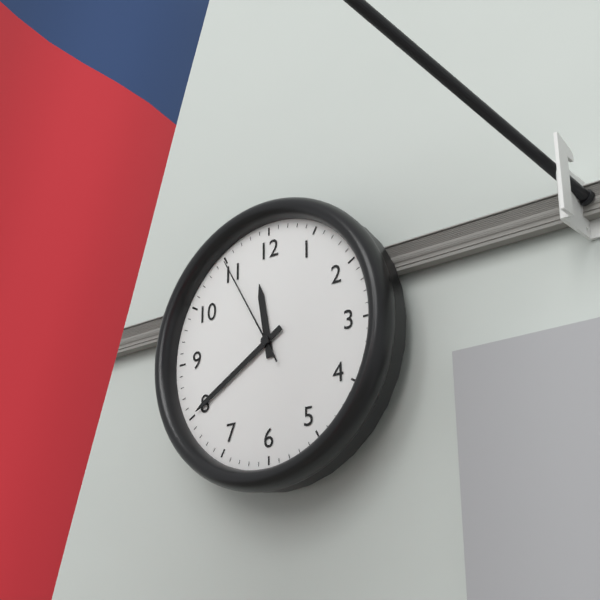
11:40:55
